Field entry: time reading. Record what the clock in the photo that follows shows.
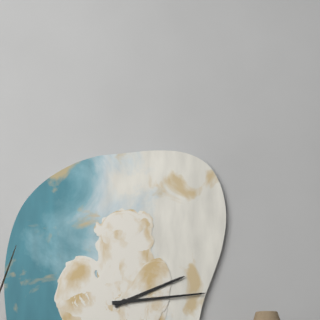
2:14
